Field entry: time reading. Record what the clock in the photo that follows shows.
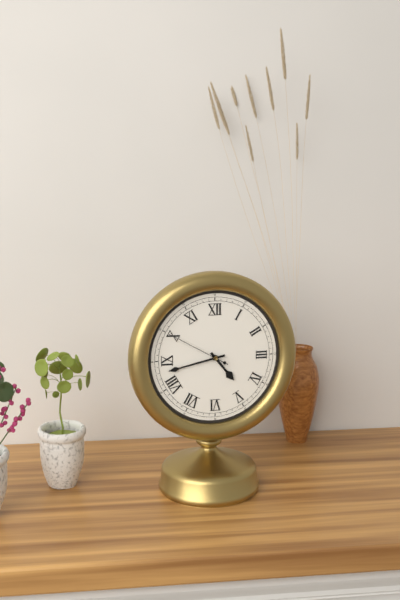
4:43:50
